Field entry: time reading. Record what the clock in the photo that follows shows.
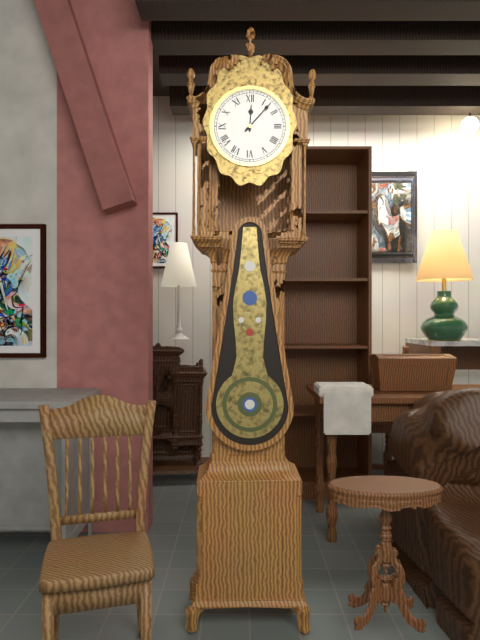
12:07
